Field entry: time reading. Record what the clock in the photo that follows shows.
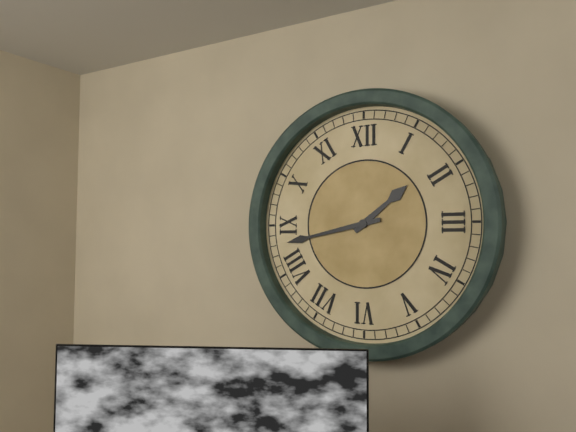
1:43
